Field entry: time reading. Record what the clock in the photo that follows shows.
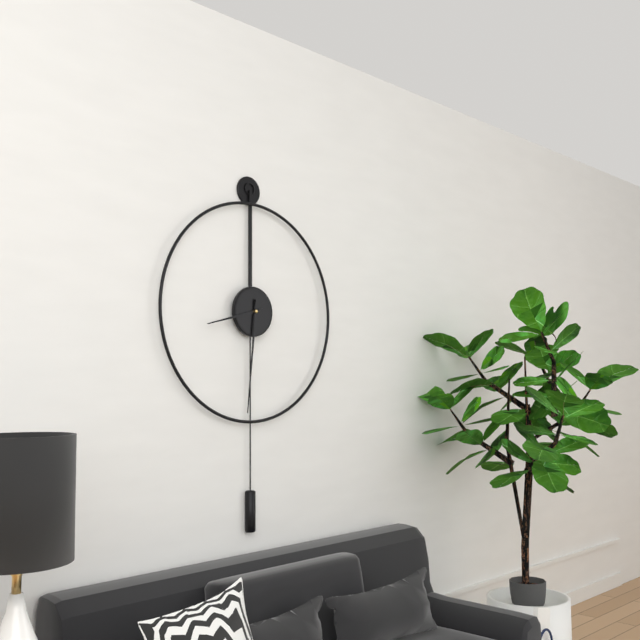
8:31
